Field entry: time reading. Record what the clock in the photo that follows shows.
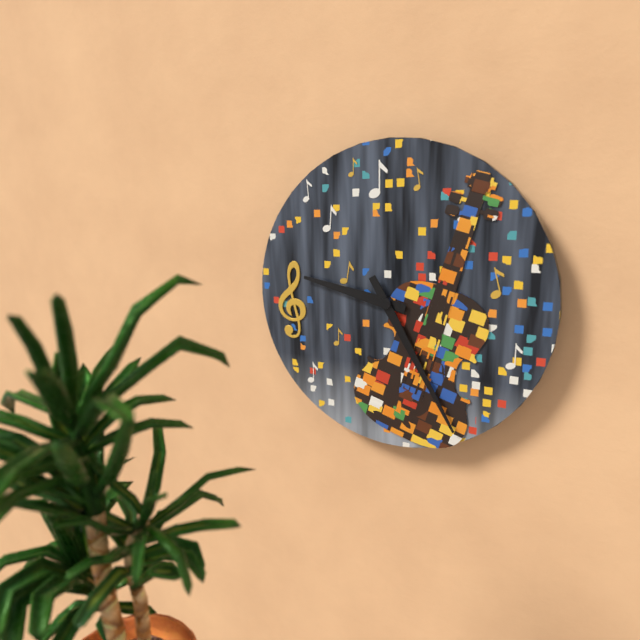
9:25
